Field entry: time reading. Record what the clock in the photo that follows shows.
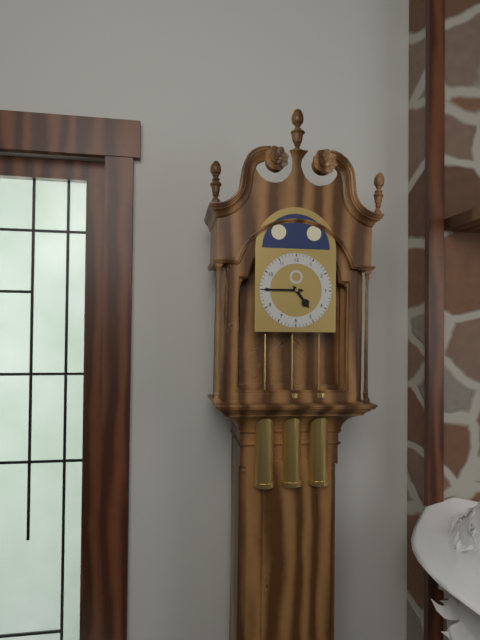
4:45
